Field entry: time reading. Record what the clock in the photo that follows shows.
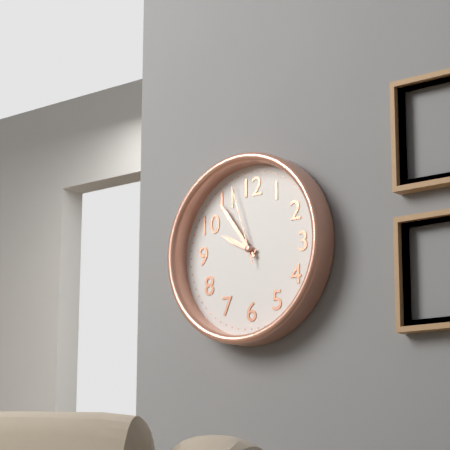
9:54:57
